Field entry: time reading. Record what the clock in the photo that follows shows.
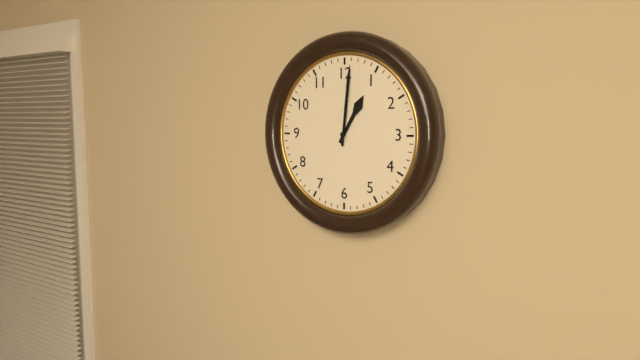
1:01
